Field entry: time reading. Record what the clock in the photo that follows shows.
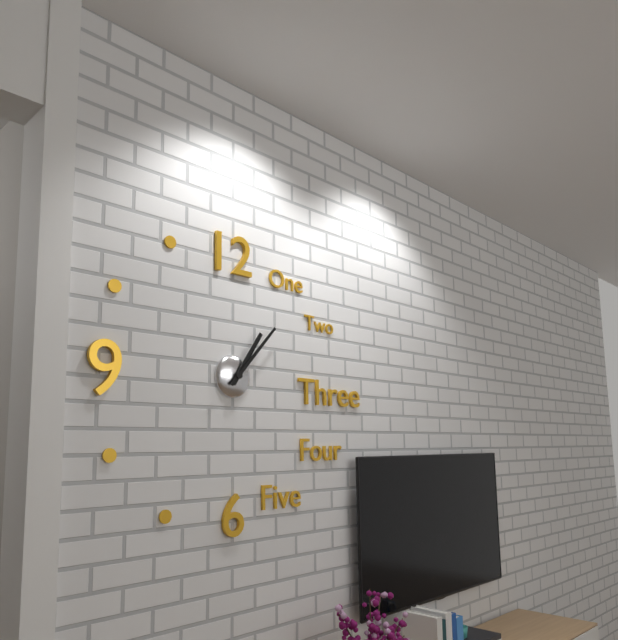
1:07
